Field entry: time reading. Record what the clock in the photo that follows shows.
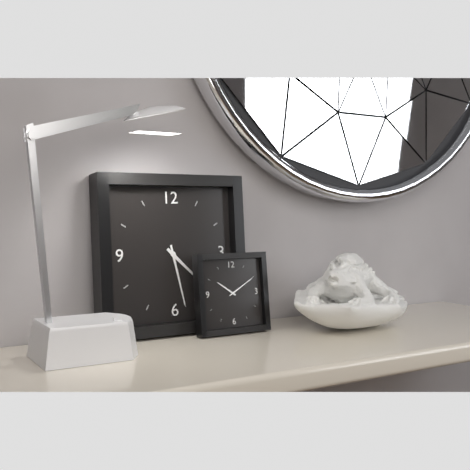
4:28
